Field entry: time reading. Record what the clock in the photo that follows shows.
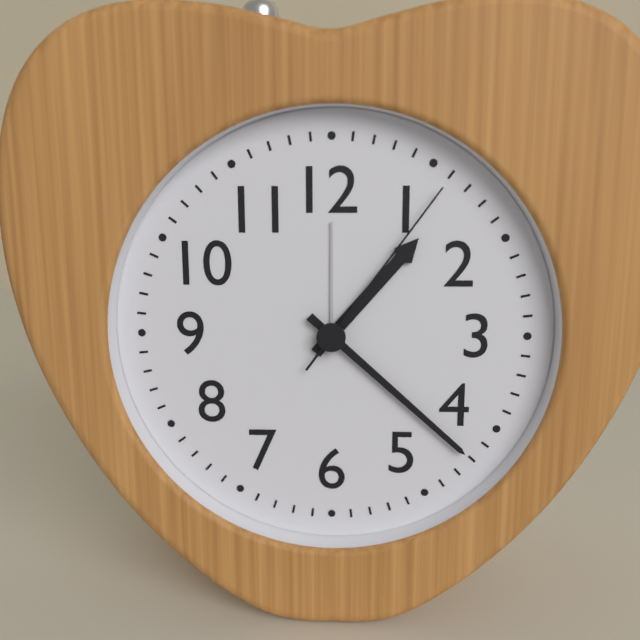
1:22:06
